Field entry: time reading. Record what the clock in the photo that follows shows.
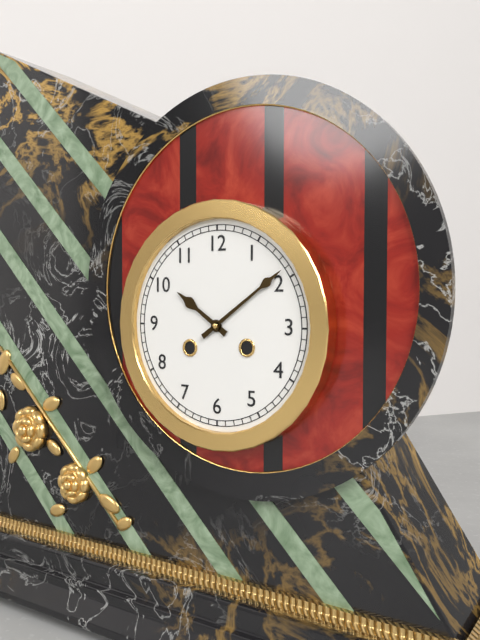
10:09
